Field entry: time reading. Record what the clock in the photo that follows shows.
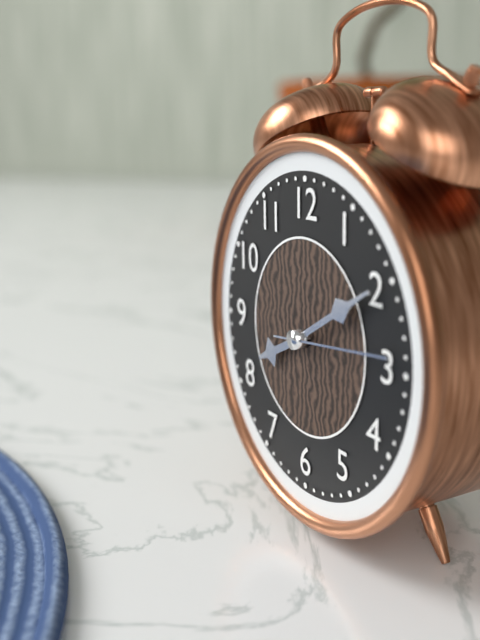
8:10:14
